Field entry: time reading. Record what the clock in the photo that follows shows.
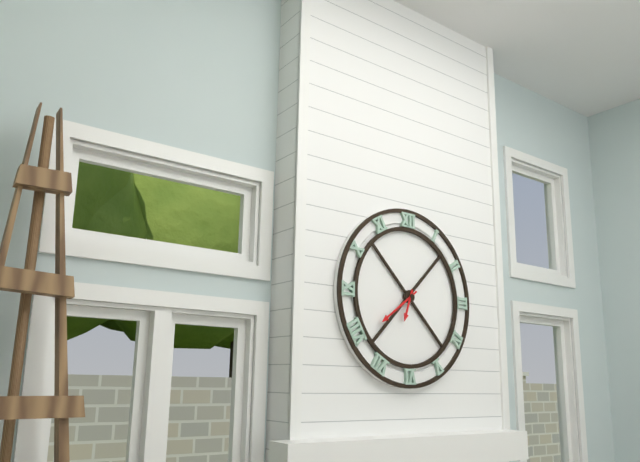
6:39
